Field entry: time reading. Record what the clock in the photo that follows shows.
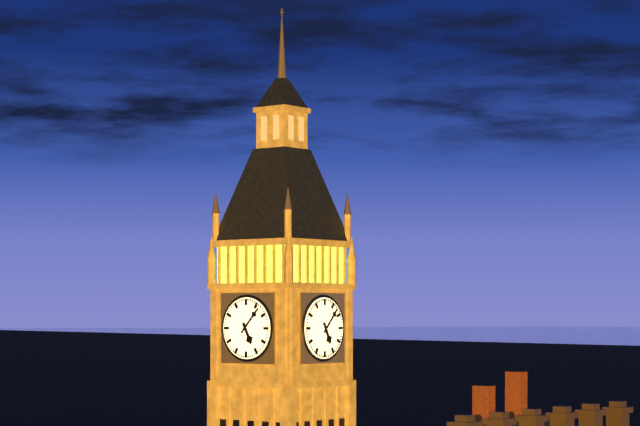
5:07
